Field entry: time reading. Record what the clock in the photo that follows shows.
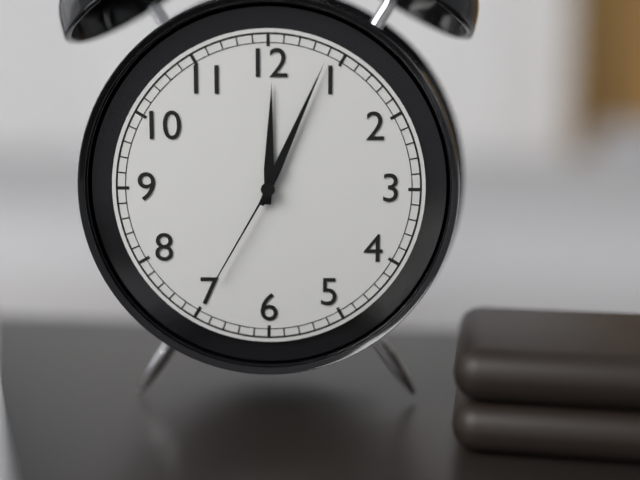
12:04:35
